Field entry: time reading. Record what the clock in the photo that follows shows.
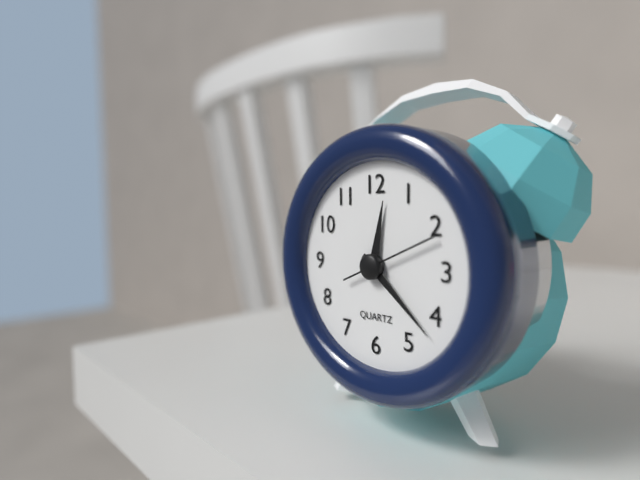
12:22:11
